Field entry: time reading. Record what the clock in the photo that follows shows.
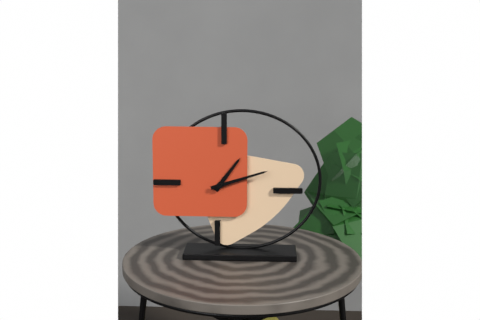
1:12
